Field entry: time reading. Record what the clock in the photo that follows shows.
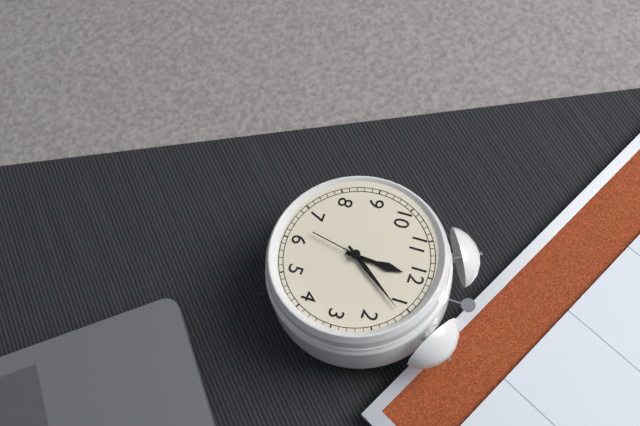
12:06:32
